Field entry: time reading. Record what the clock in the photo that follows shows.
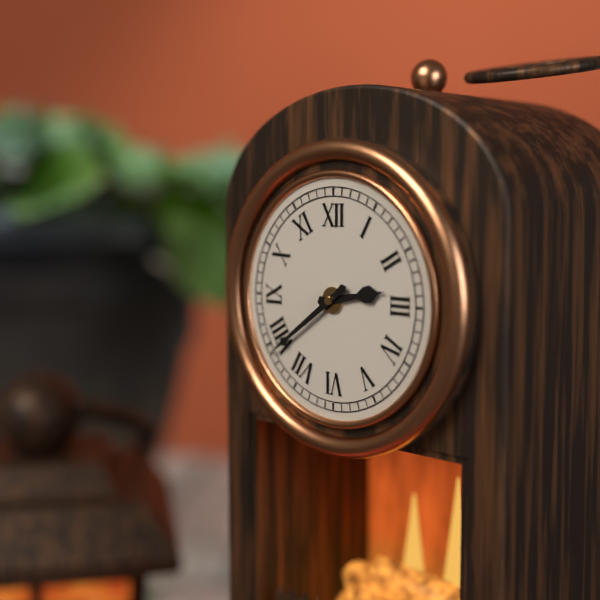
2:39
